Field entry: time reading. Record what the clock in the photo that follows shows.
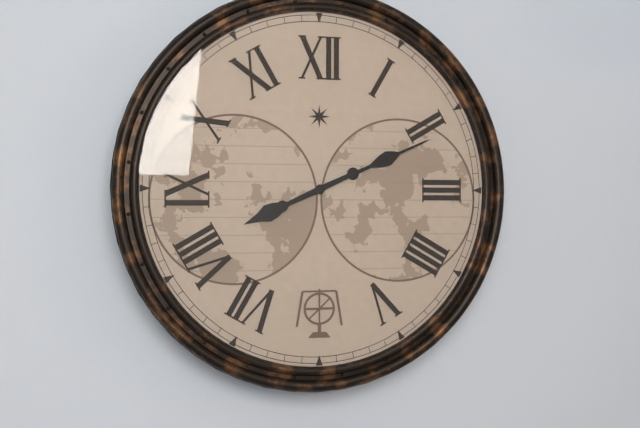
8:11
